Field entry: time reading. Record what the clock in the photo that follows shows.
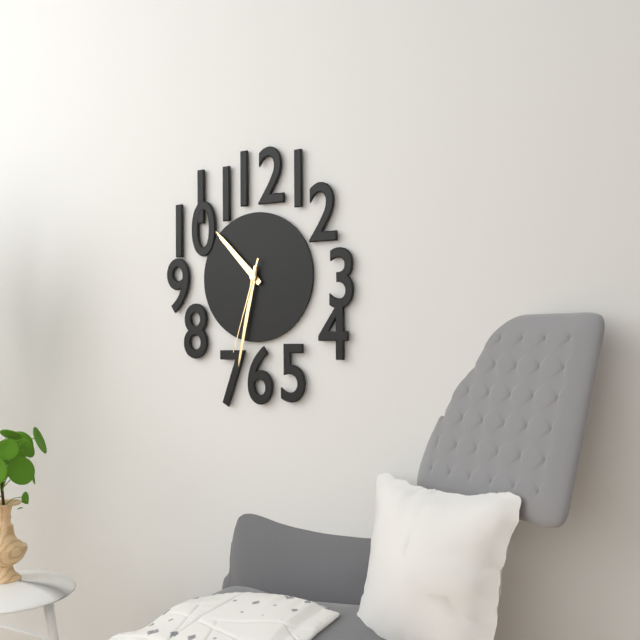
10:32:33
